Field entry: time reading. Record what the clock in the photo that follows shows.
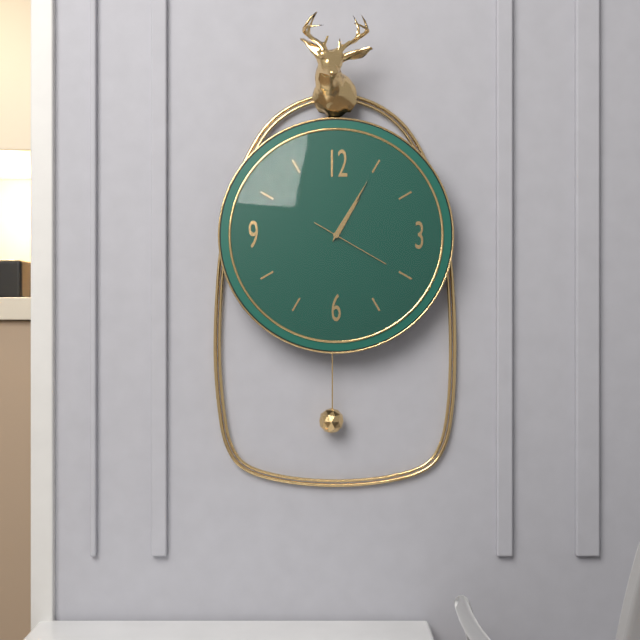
1:05:20
